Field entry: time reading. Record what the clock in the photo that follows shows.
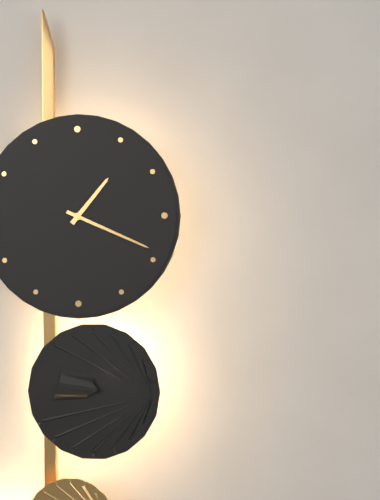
1:19
